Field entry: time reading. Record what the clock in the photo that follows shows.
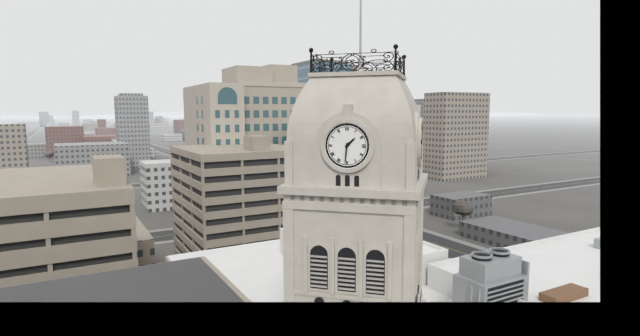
1:31
